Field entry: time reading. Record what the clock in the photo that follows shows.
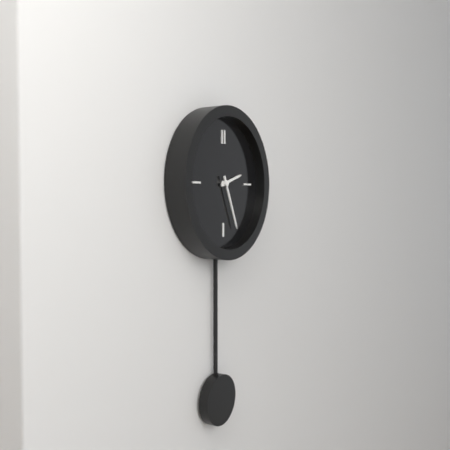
2:26
